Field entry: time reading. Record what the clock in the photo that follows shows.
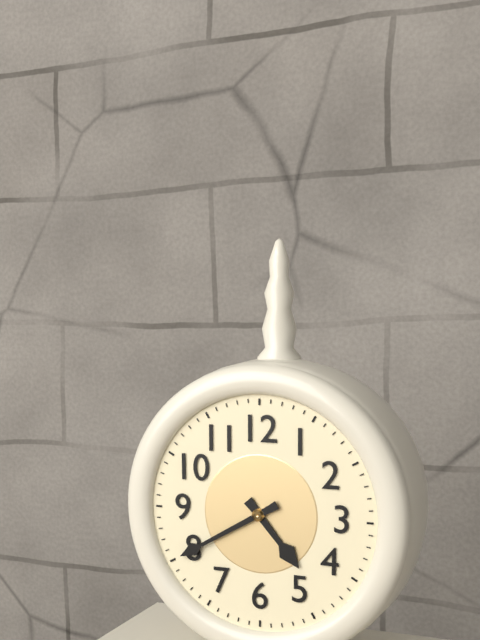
4:40
